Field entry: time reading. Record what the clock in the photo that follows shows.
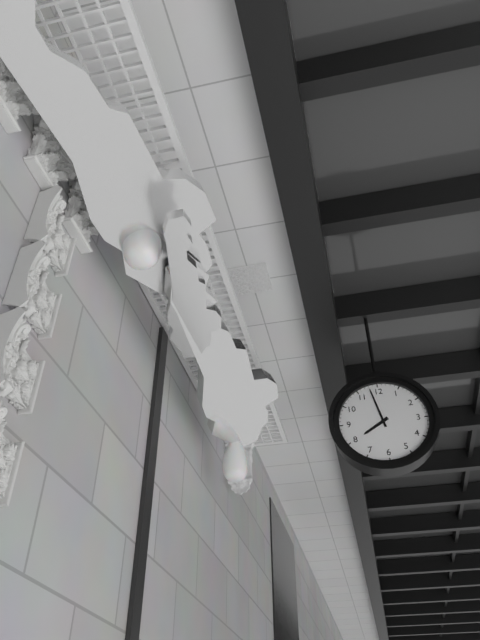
7:58
